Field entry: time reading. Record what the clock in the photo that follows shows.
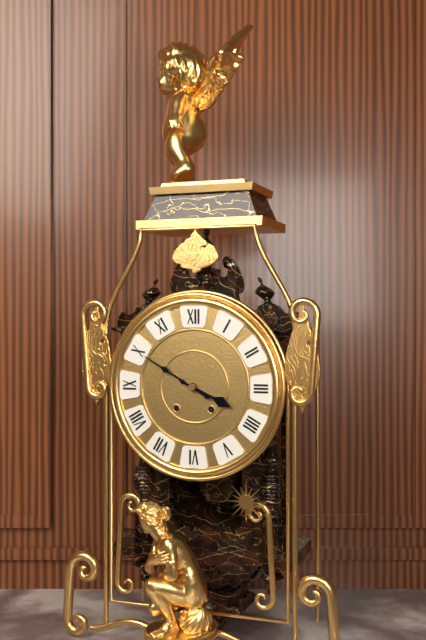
3:50
